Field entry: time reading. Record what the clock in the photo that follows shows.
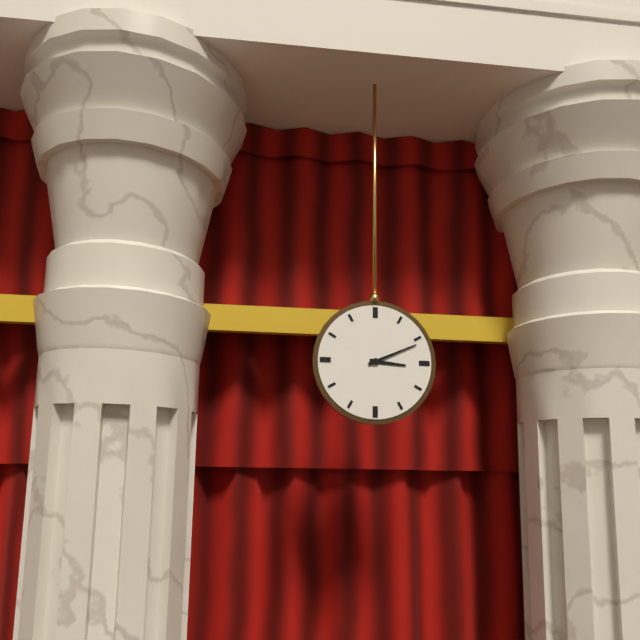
3:11
